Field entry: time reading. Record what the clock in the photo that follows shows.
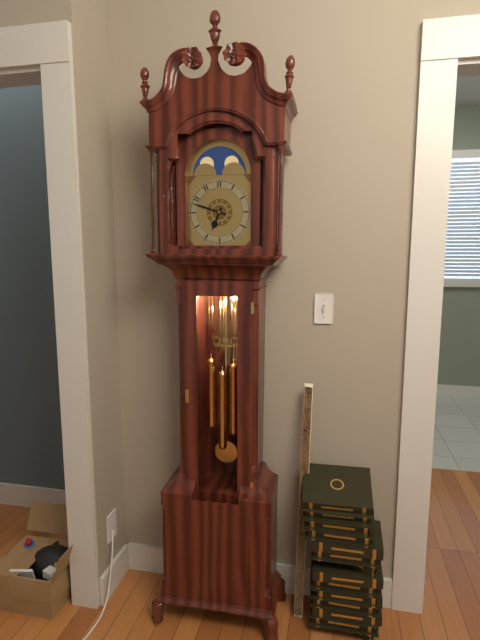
6:48
